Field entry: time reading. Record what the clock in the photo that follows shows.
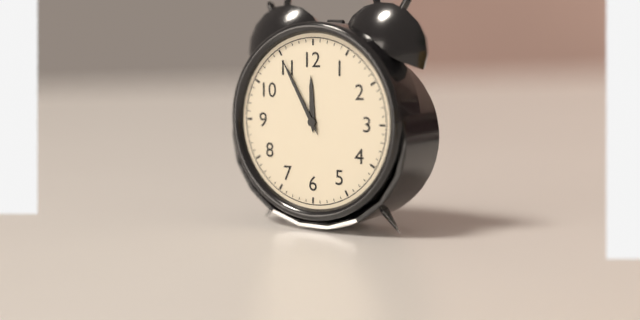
11:55
